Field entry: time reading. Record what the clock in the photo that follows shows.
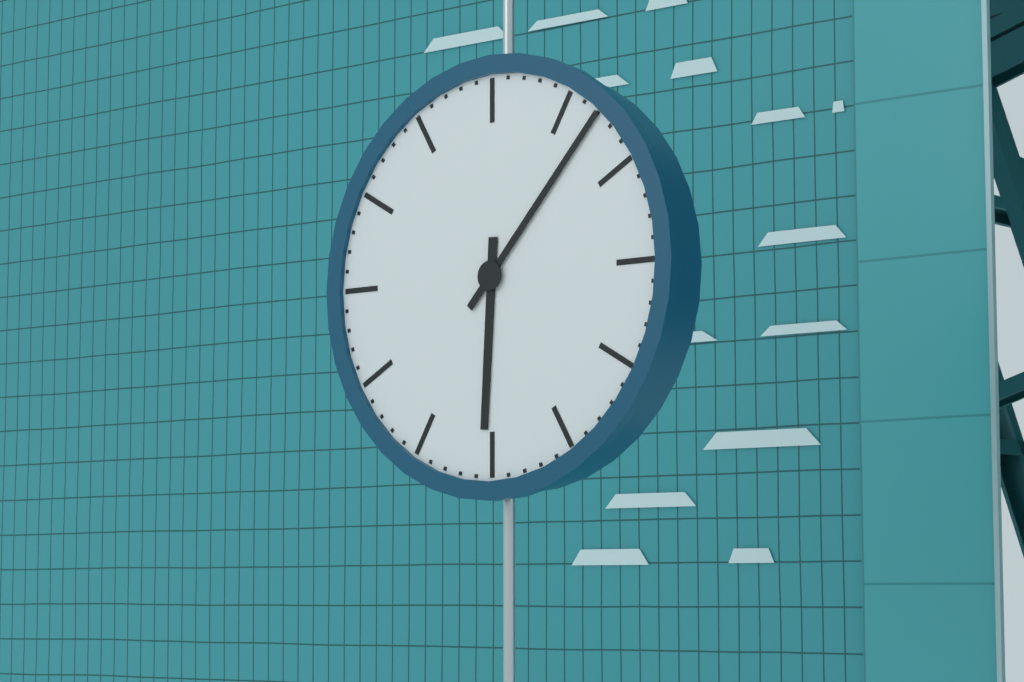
6:07
